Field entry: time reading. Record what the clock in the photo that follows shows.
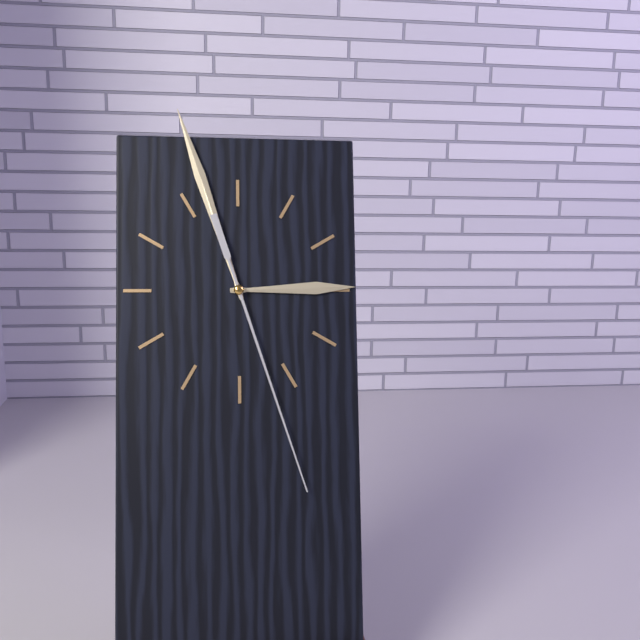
2:57:27
